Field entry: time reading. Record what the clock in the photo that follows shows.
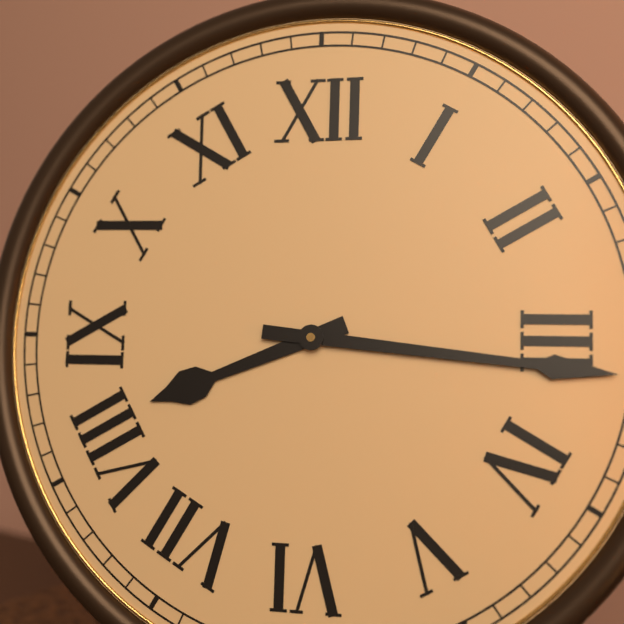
8:16
